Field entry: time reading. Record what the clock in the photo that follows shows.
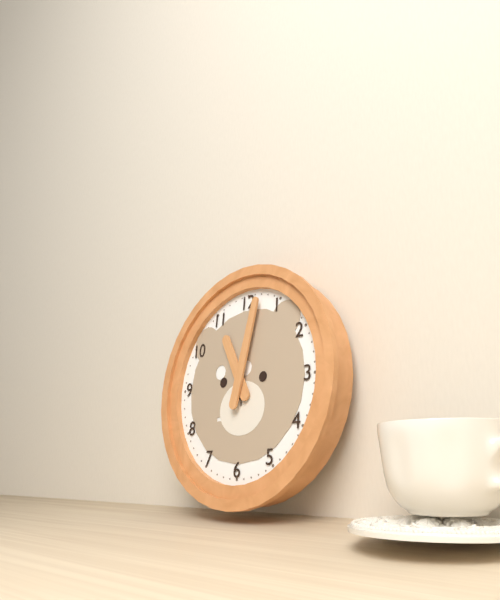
11:02
